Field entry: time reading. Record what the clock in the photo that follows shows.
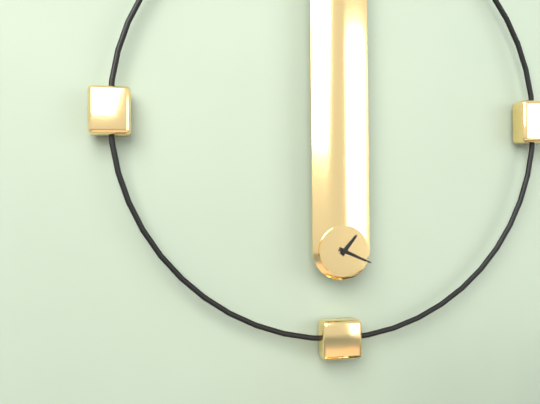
1:19
